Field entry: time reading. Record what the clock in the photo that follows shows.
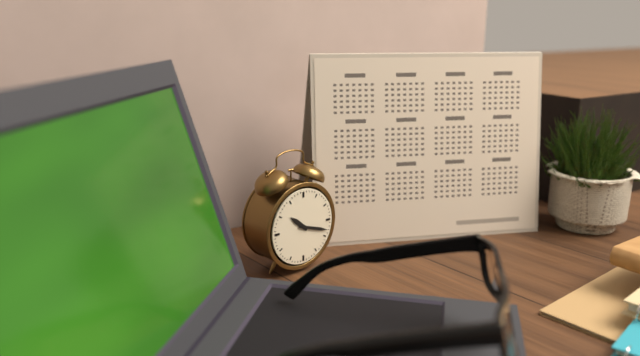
10:18
